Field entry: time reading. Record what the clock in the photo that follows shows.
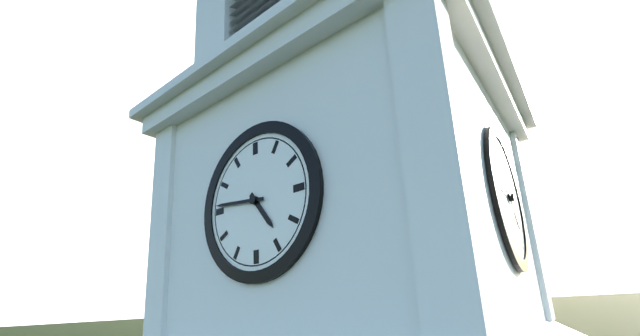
4:46
